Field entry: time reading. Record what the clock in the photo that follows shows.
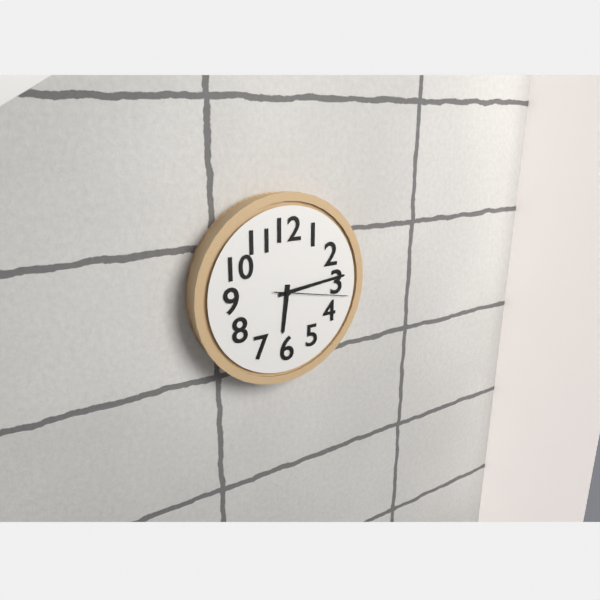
6:14:17
